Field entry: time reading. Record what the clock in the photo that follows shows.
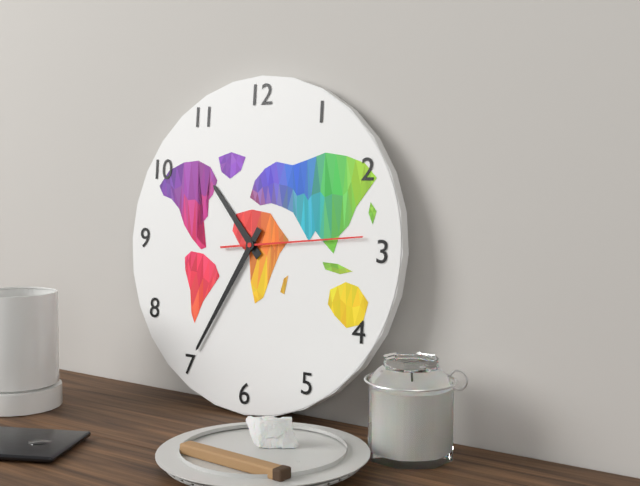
10:35:14
